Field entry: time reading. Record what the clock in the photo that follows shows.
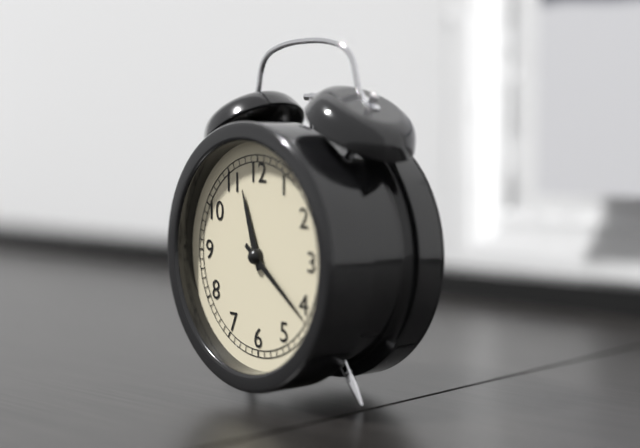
11:21
